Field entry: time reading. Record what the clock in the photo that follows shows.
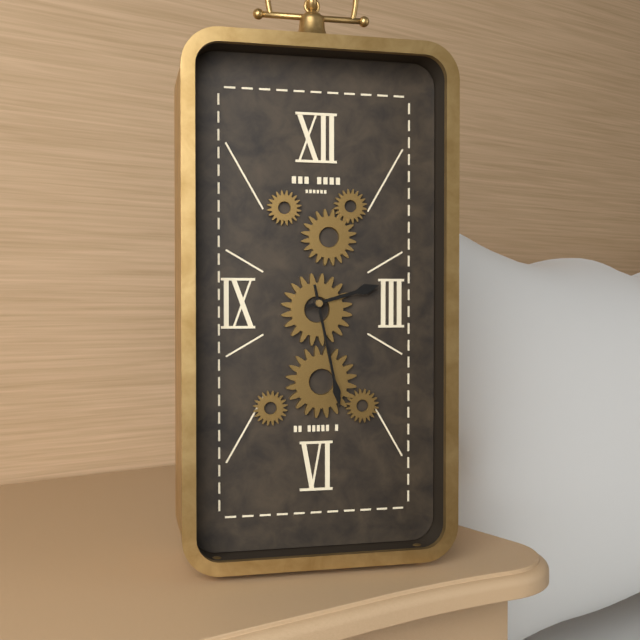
2:28
